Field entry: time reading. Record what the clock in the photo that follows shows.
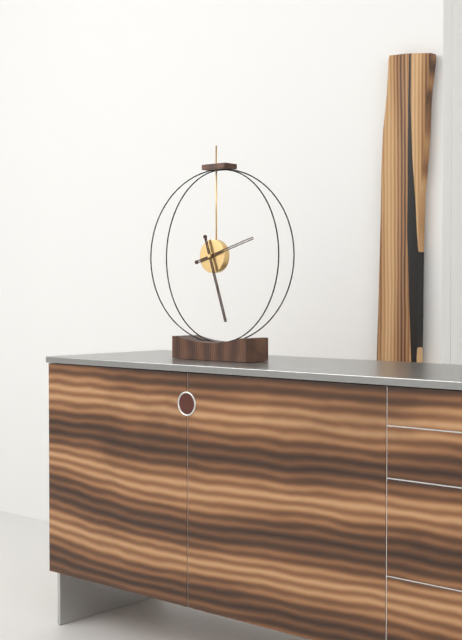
2:27
